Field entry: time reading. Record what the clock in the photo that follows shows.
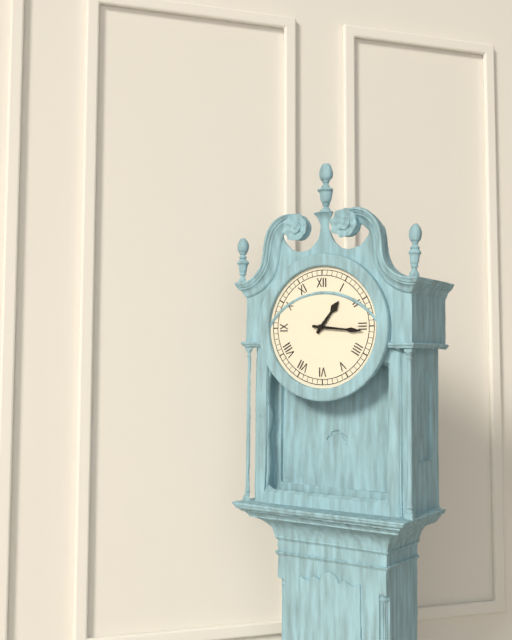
1:16
